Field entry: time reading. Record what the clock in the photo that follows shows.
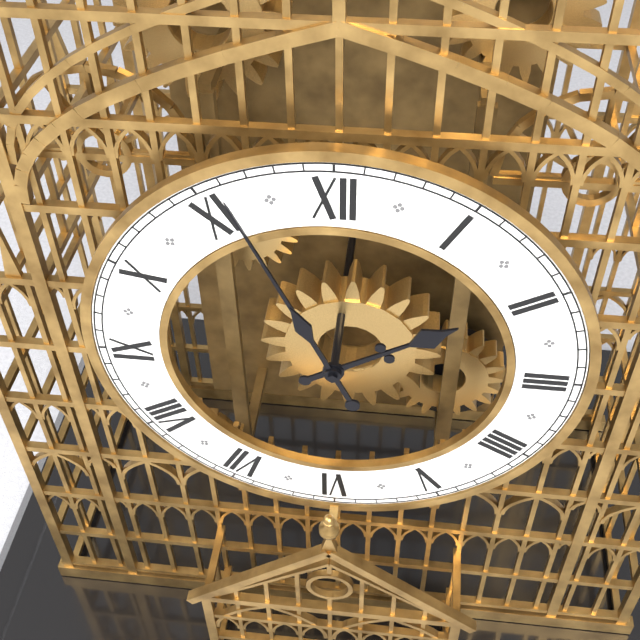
1:56
